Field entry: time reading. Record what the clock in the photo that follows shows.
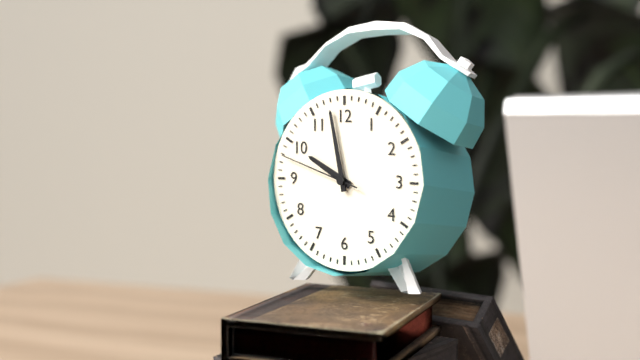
9:58:48
